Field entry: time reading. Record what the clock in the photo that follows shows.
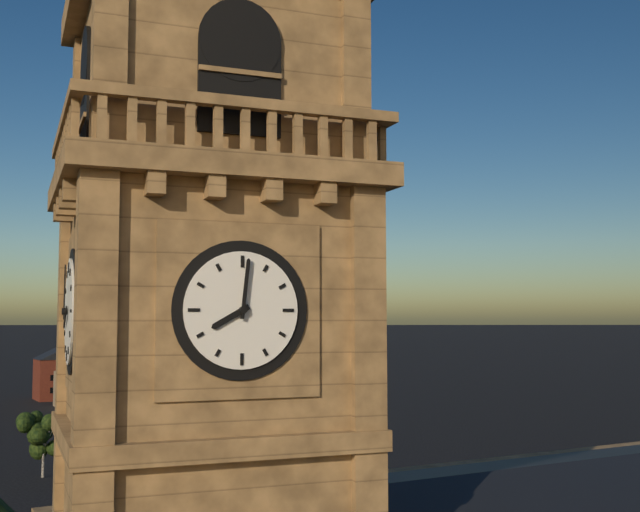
8:01
